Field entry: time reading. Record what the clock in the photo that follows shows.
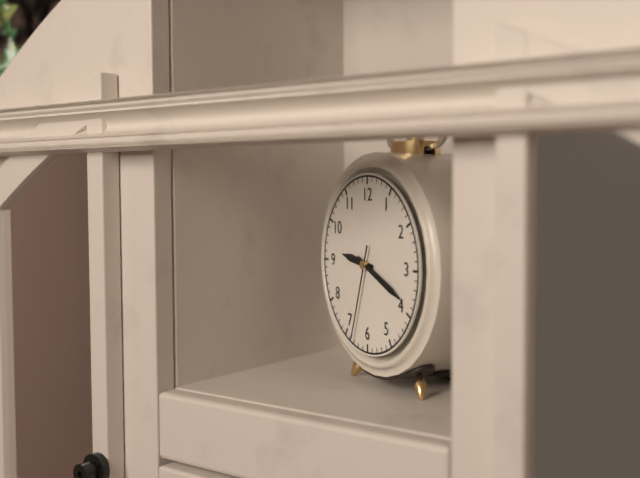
9:19:33
